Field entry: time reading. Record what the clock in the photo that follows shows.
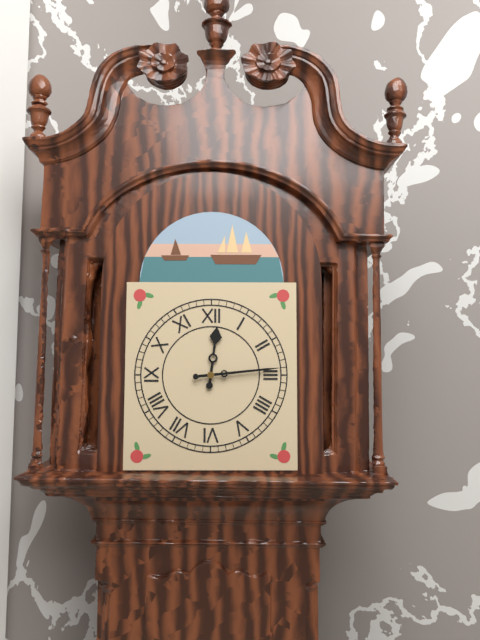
12:14
